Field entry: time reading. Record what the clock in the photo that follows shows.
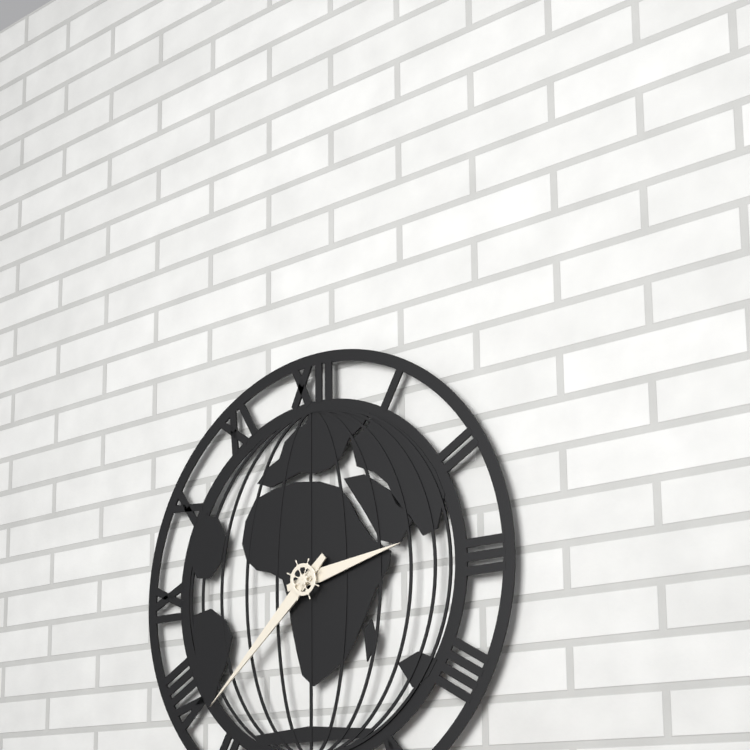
2:38
